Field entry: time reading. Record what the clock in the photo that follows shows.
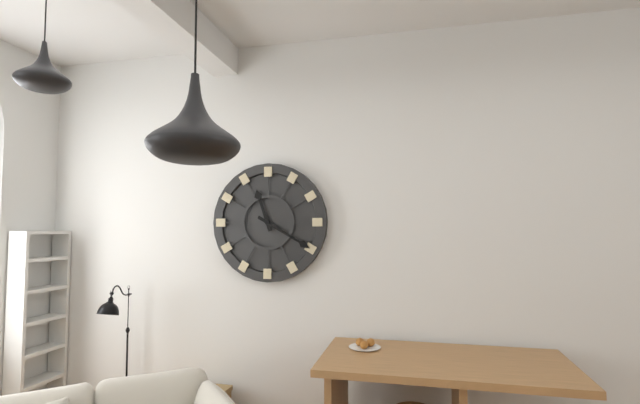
11:20
